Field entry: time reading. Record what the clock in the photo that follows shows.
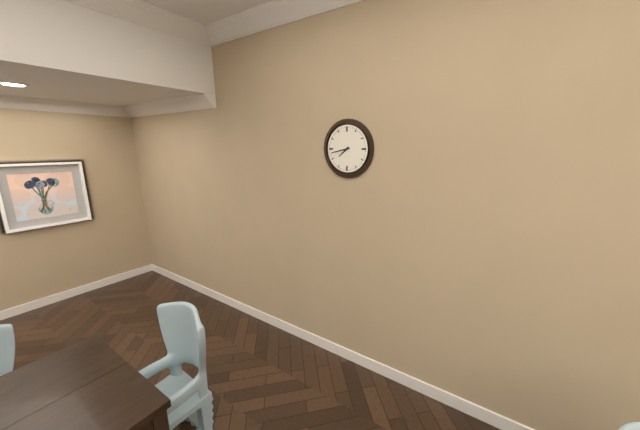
7:43
